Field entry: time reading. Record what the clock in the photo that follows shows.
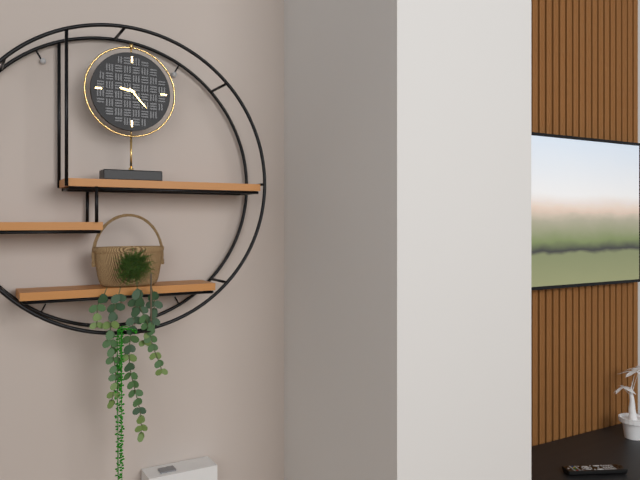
9:23
